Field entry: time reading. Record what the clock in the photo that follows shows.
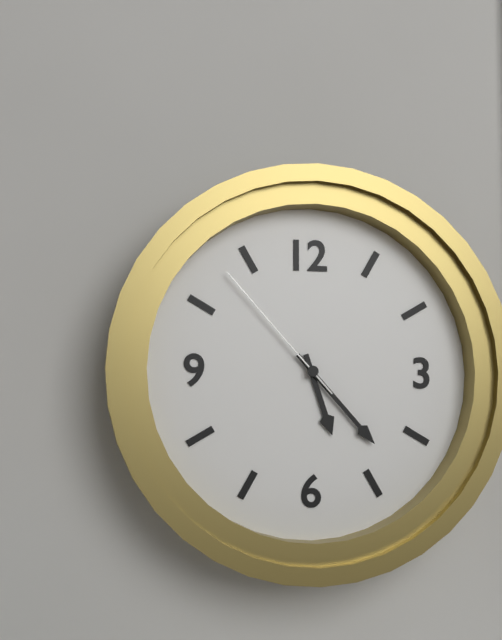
5:23:53
